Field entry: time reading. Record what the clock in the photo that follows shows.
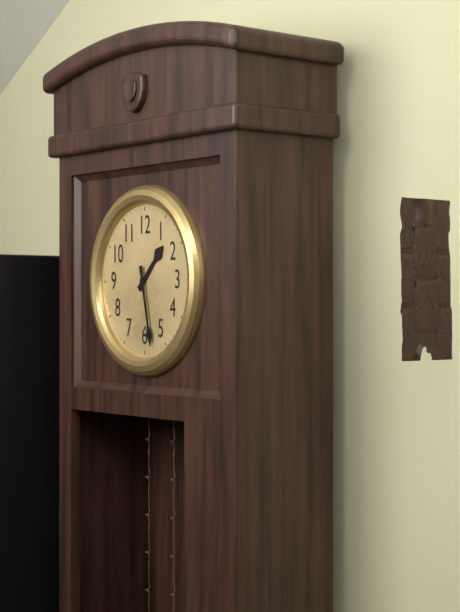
1:28
